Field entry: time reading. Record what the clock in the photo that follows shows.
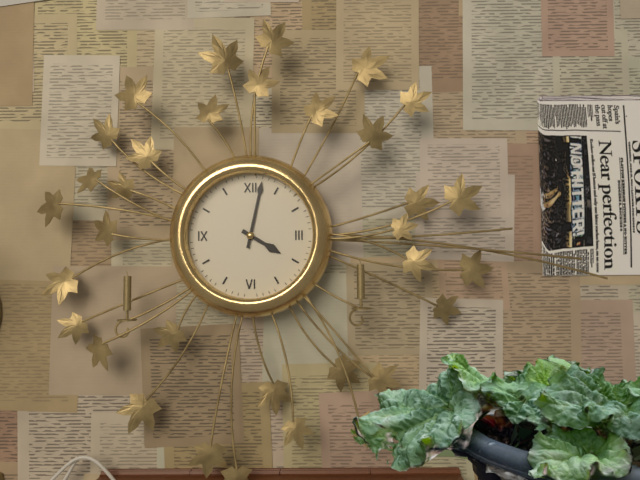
4:02
